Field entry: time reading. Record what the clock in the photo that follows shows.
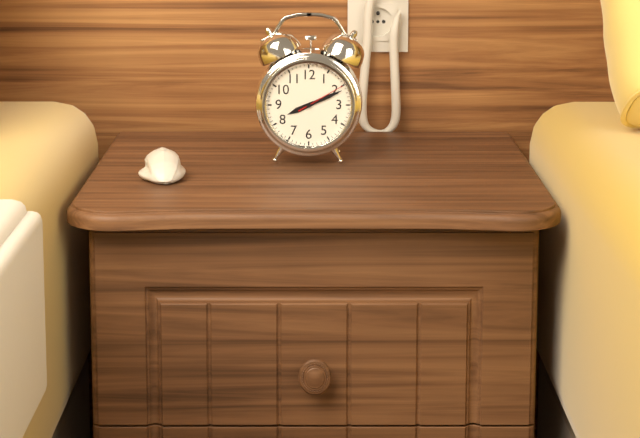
8:11
